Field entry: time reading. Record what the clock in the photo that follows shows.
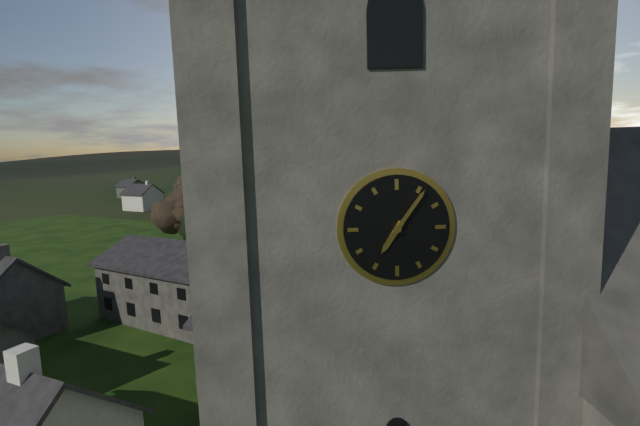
7:06
